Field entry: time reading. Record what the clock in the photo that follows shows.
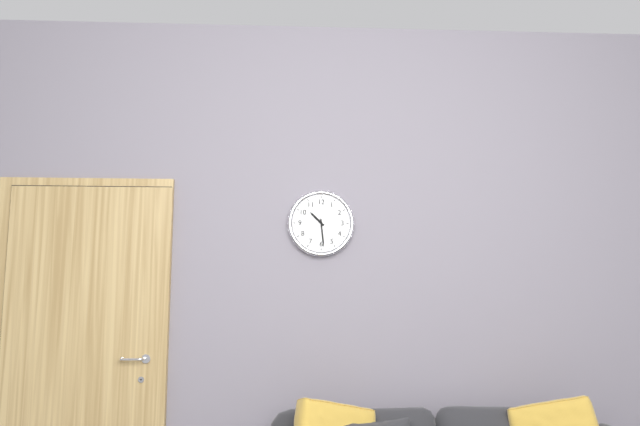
10:29
